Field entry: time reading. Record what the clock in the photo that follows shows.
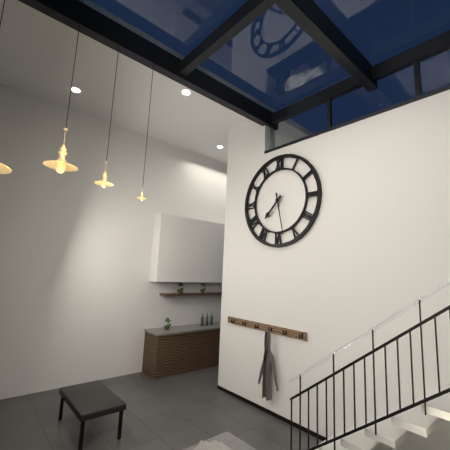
7:28
